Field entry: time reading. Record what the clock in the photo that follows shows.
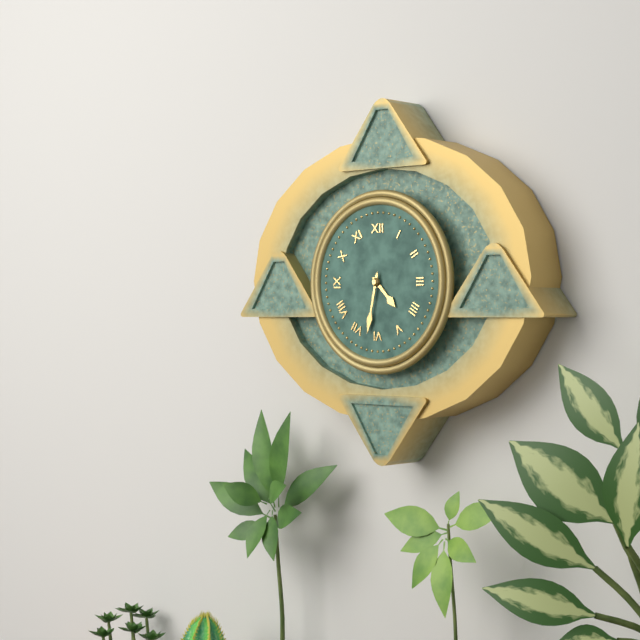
4:32
